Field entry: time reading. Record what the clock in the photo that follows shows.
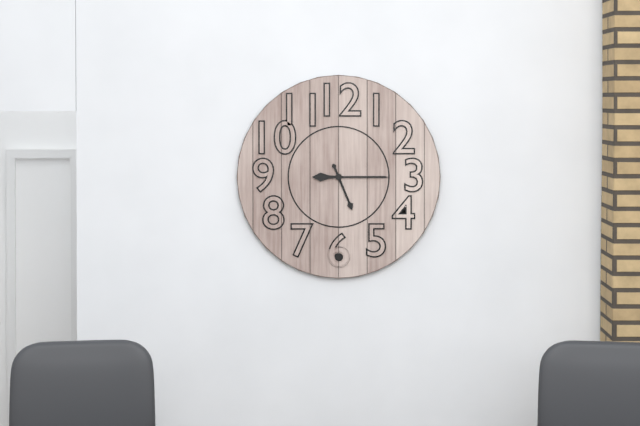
5:15
